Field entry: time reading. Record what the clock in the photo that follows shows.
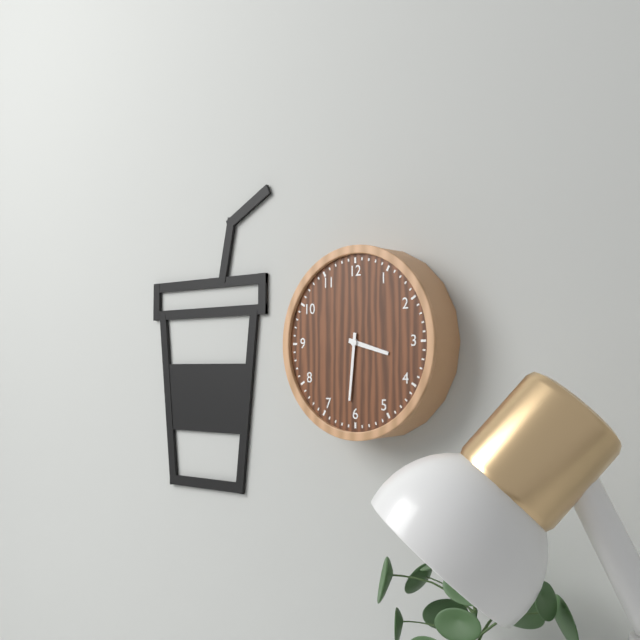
3:31
